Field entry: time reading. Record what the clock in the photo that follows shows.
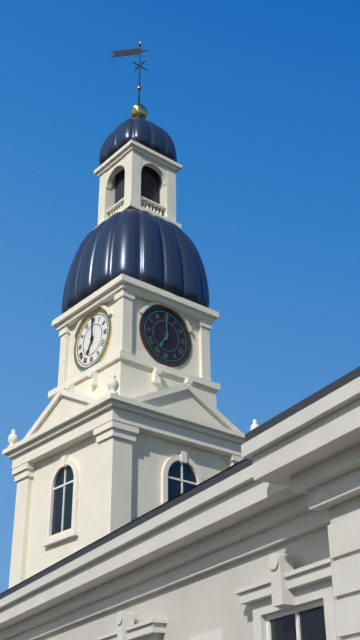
7:00
